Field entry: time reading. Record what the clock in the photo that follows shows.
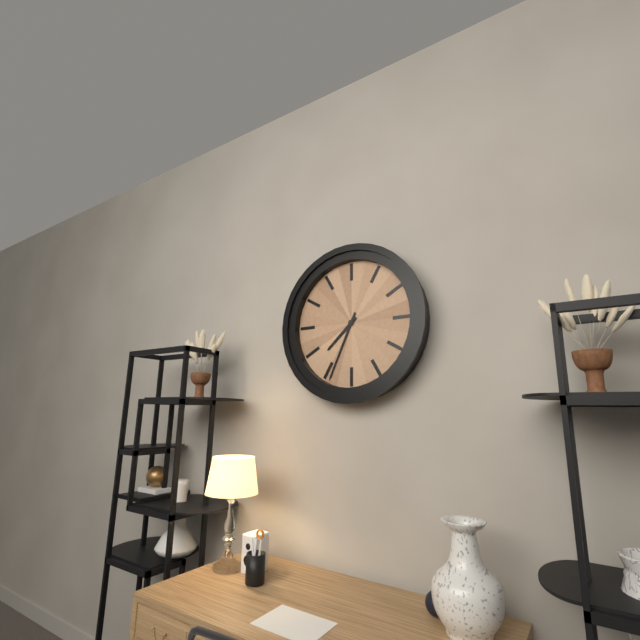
7:34
